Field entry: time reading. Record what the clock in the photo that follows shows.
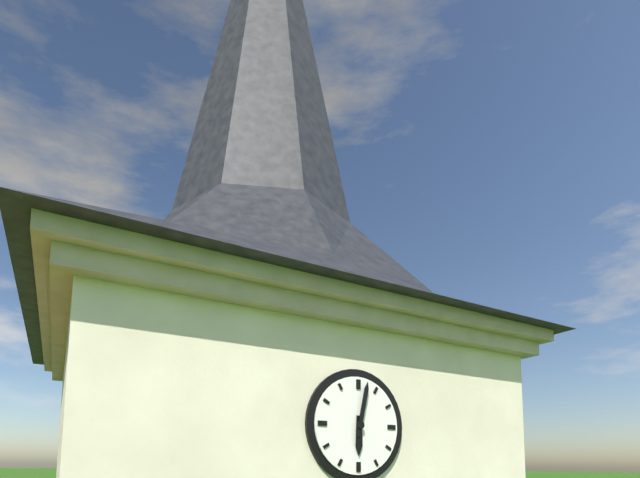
6:02
